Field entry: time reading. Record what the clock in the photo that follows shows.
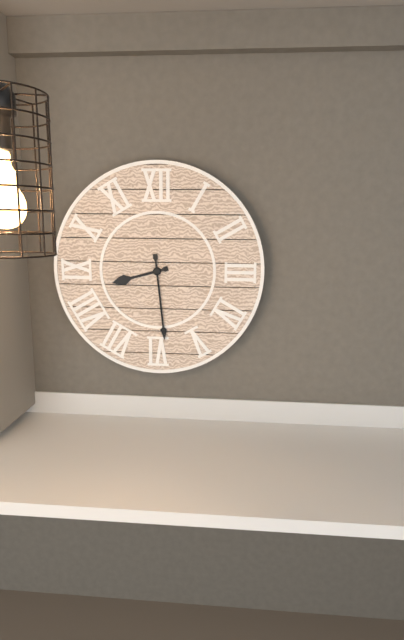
8:29
